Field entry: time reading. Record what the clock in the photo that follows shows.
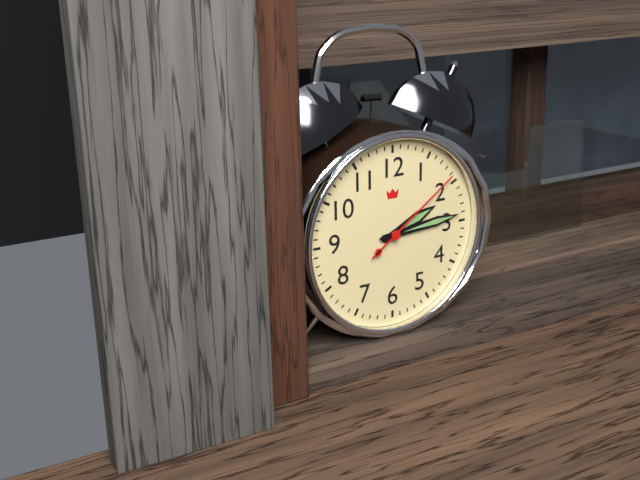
2:14:09
